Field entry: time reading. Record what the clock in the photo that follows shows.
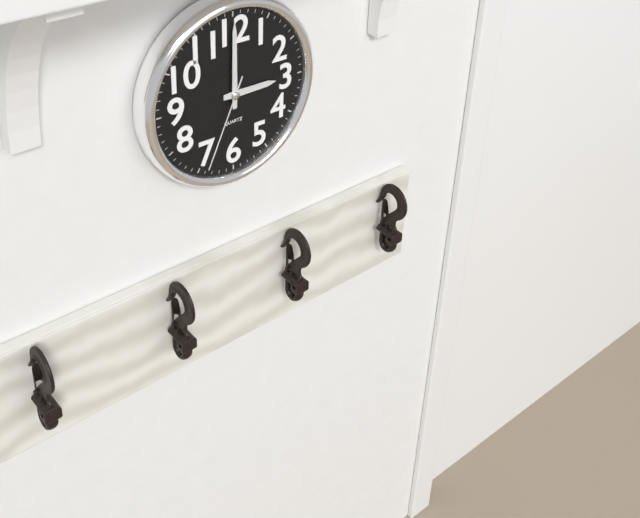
3:00:34
